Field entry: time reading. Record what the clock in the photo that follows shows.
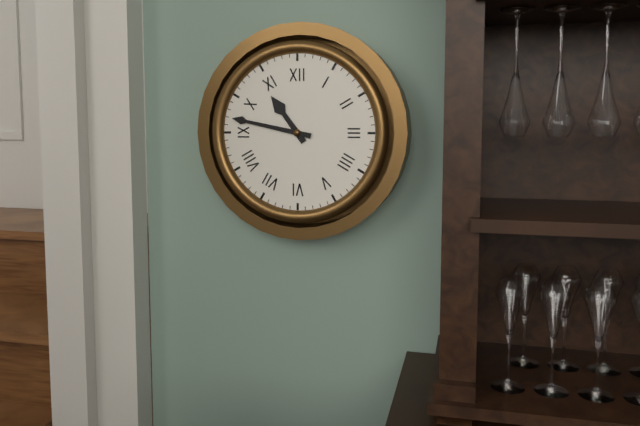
10:47
